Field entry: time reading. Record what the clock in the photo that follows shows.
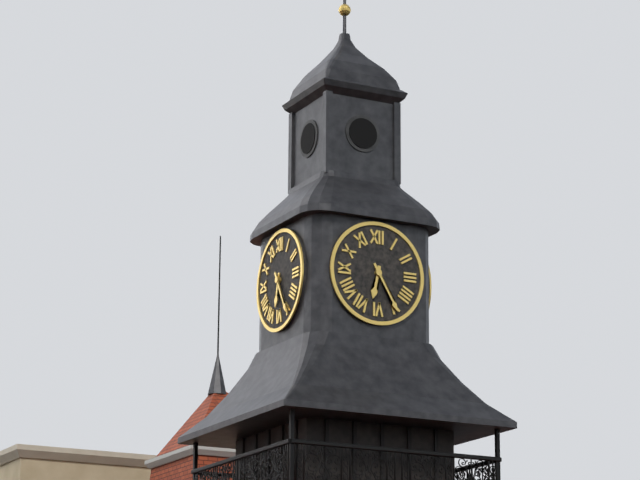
6:25
